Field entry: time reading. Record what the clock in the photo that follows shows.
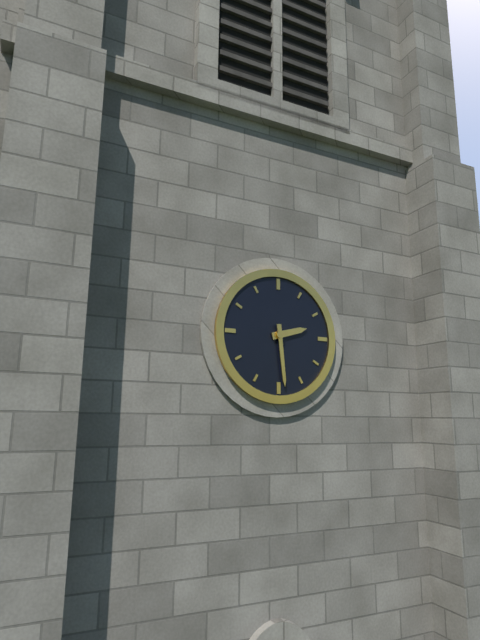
2:29
